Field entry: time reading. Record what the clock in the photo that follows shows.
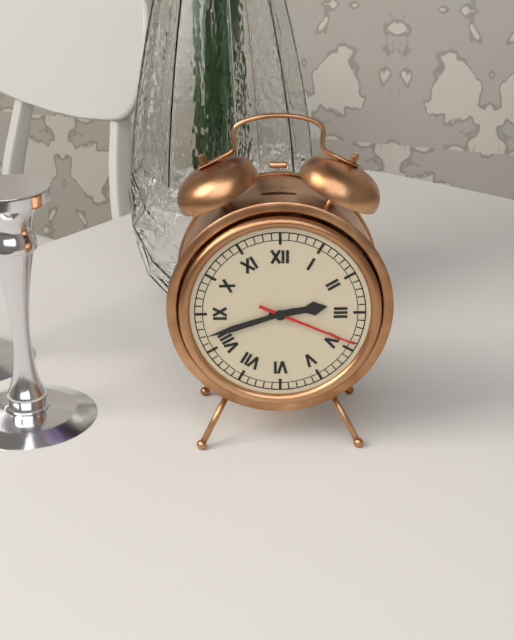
2:42:19
